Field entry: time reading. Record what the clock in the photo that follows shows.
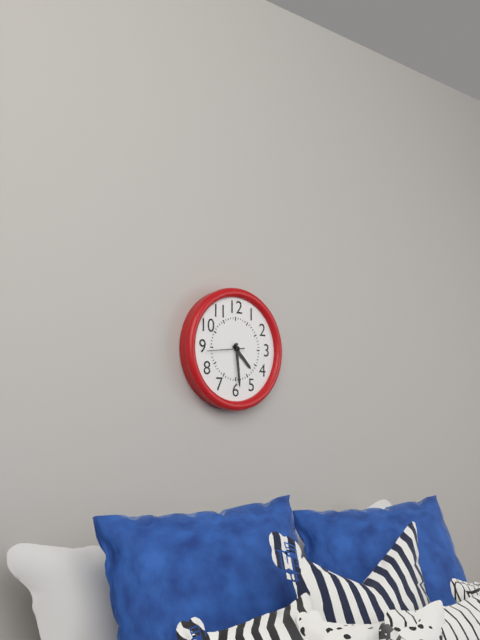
4:29
